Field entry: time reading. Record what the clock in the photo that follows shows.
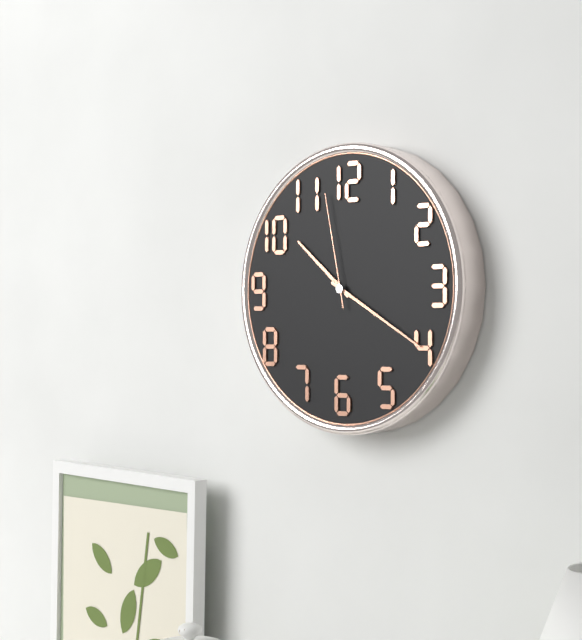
10:20:58
